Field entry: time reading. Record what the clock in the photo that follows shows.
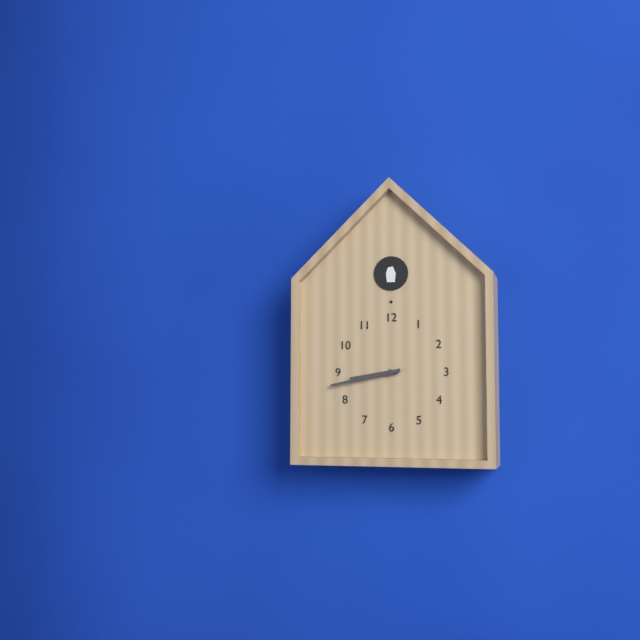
8:43
